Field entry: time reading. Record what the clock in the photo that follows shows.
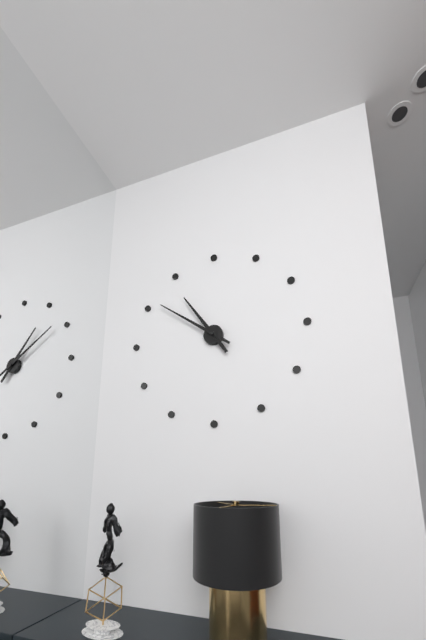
10:51
